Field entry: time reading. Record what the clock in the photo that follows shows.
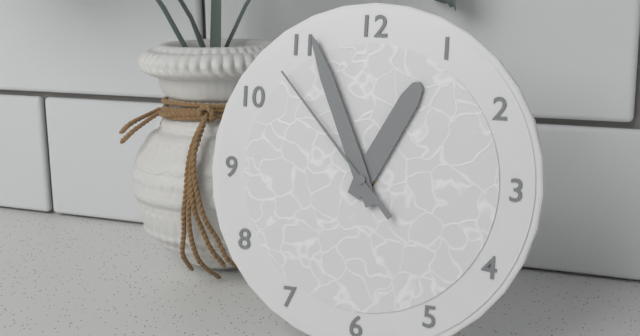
12:56:53
